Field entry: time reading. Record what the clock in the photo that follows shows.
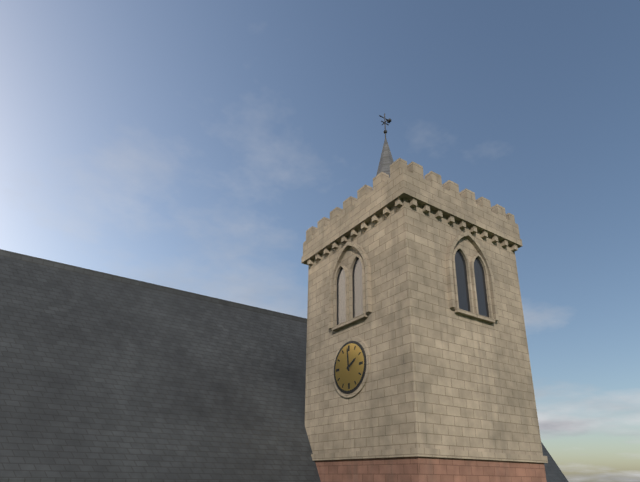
1:59
